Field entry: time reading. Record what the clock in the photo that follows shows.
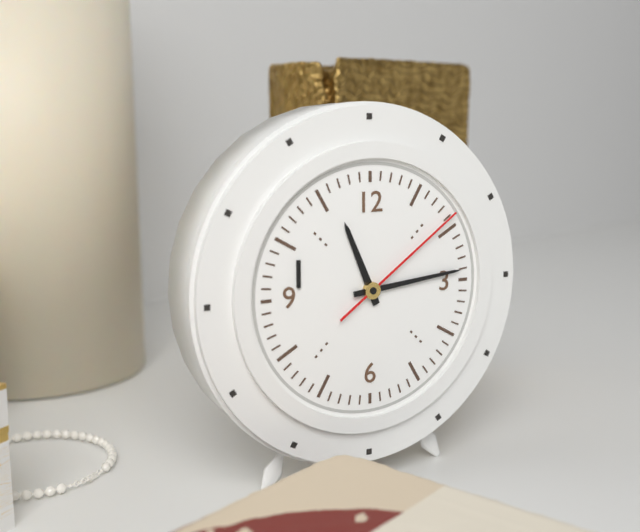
11:14:09
